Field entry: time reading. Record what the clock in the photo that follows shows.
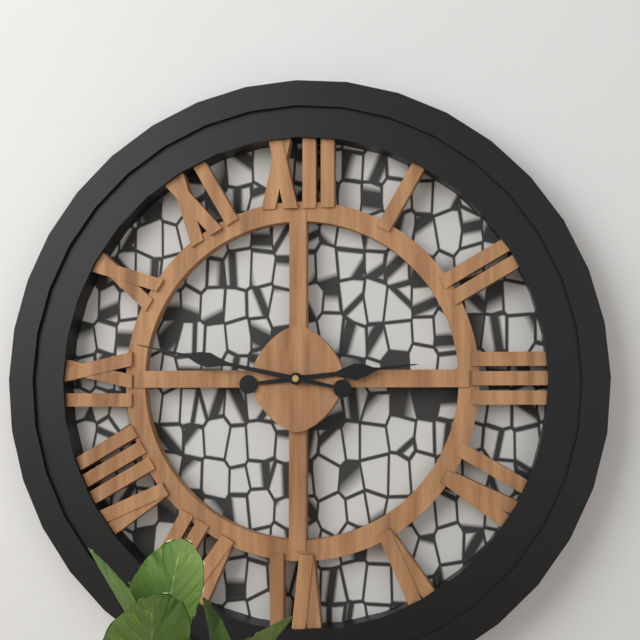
2:47
